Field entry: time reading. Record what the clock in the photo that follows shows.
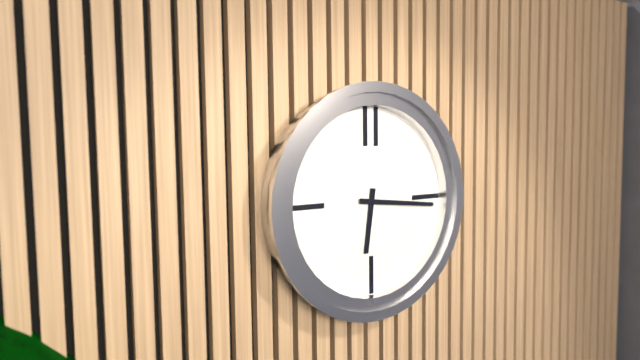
6:16
